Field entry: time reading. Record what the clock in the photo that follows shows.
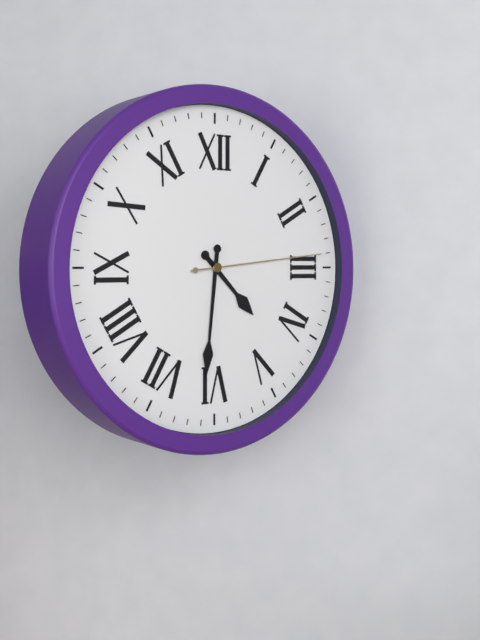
4:31:14
